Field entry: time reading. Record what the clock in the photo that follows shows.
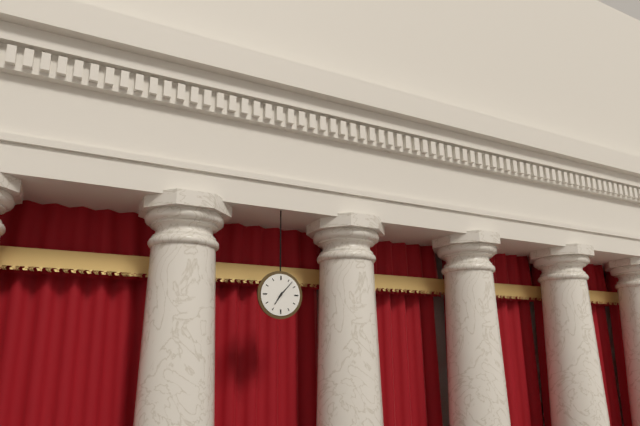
7:07
